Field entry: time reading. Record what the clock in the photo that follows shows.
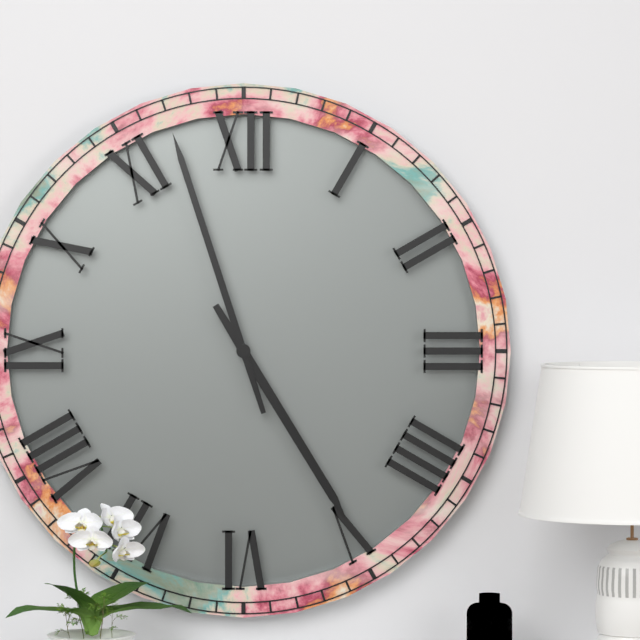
4:57
